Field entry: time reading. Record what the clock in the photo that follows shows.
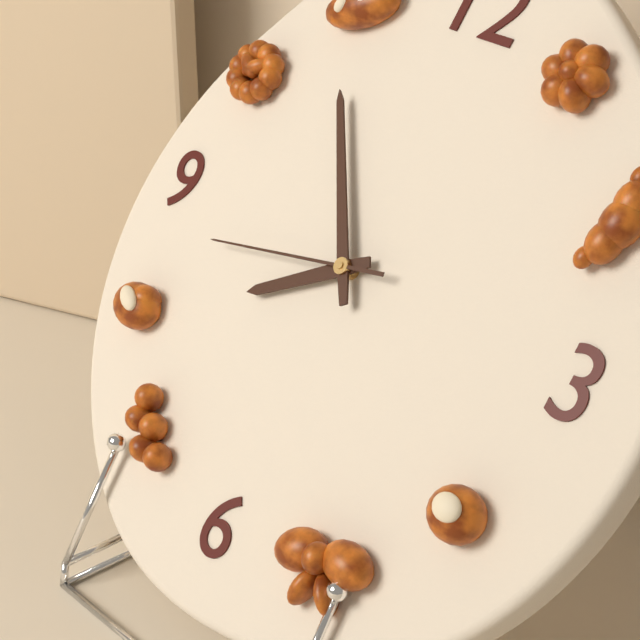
7:54:43
